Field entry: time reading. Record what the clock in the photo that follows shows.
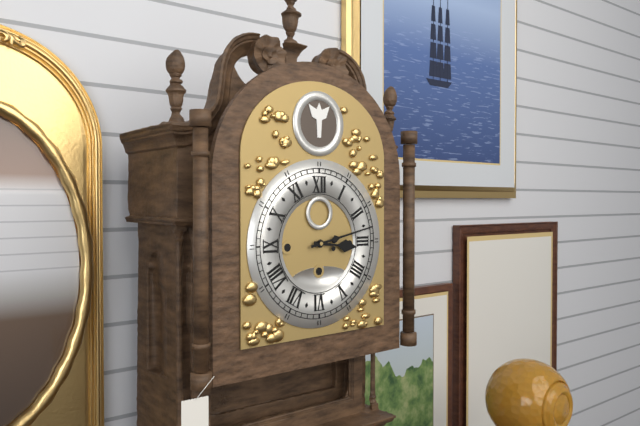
3:13
